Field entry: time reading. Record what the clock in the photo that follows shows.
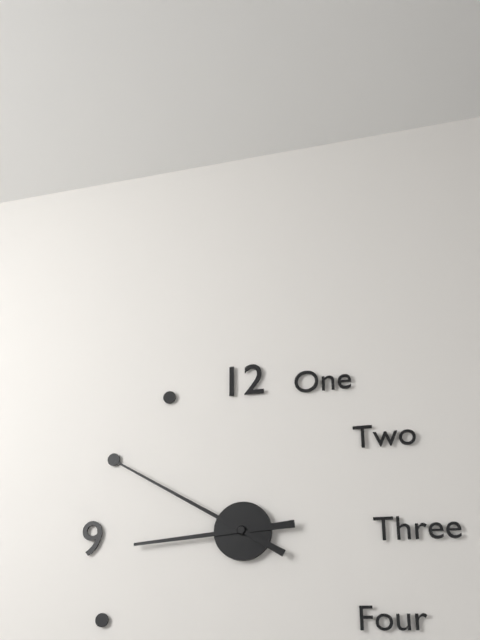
8:50
